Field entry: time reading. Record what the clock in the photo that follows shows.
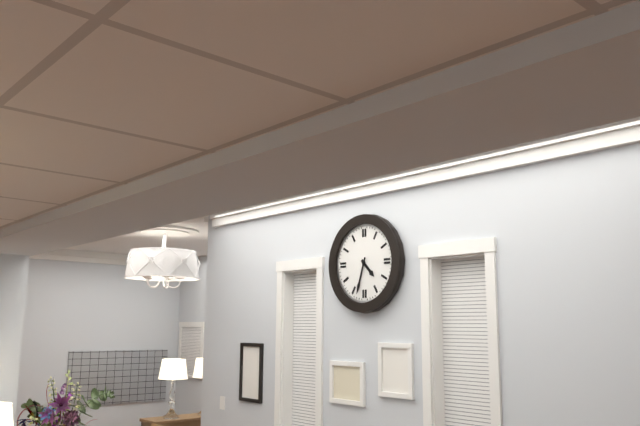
4:33
